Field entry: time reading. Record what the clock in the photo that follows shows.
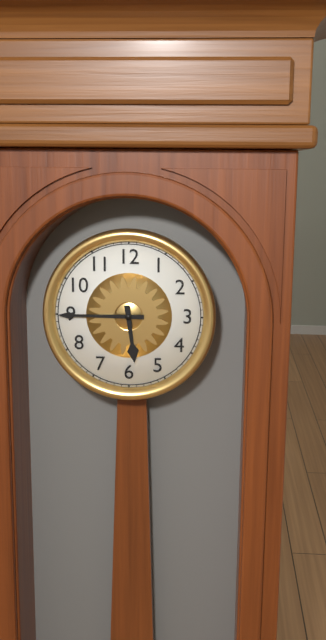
5:45
